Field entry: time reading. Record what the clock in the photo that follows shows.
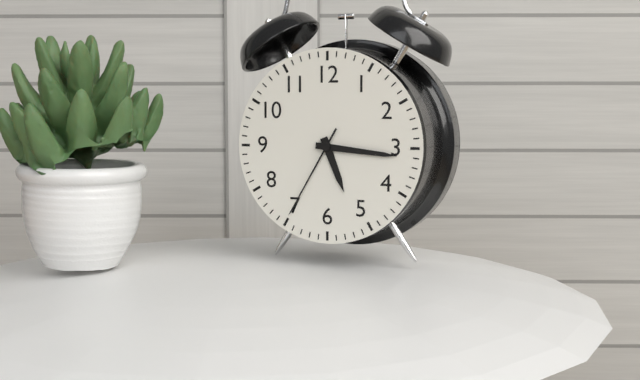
5:16:35
